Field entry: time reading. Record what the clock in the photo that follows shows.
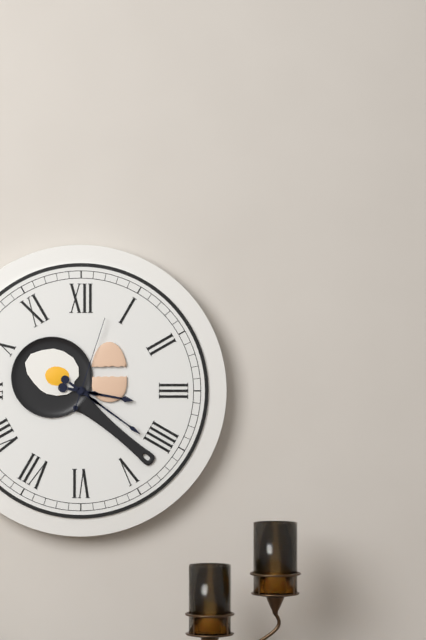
3:21:03
